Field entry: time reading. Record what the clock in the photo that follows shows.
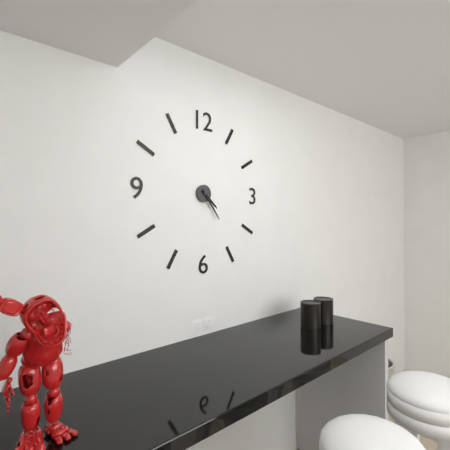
4:24
